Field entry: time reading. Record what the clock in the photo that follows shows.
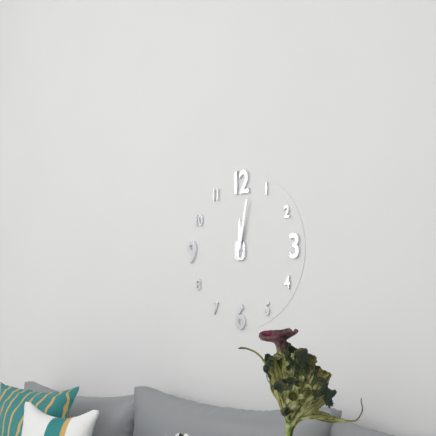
12:02
